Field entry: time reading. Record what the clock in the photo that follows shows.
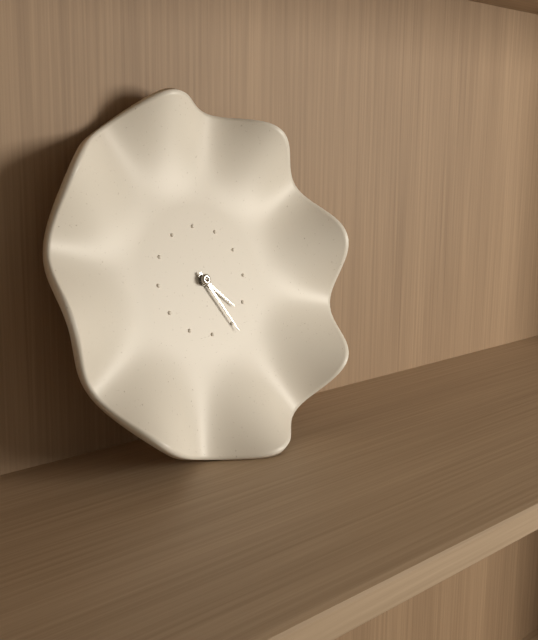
4:25
